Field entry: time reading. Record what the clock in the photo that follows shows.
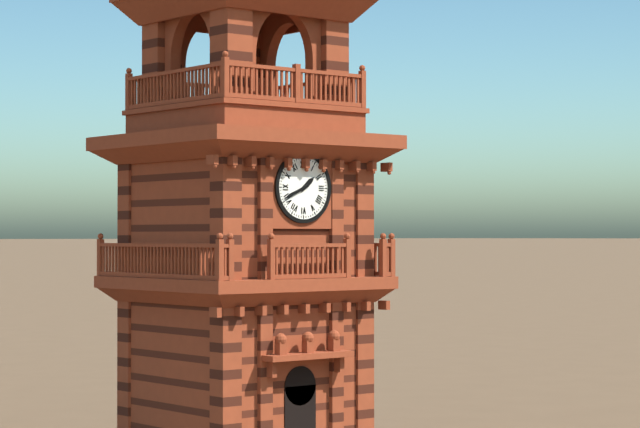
1:41
